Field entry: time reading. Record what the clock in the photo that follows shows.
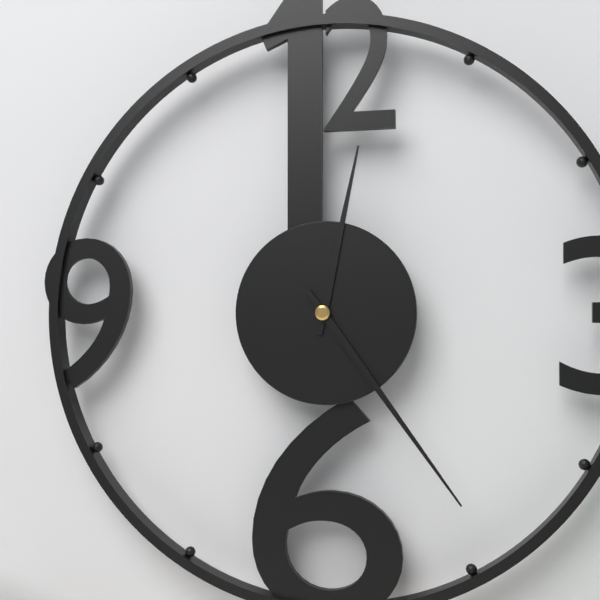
12:24
